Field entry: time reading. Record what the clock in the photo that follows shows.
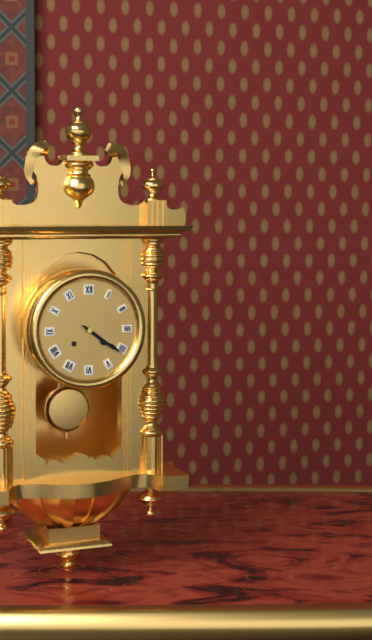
4:21
